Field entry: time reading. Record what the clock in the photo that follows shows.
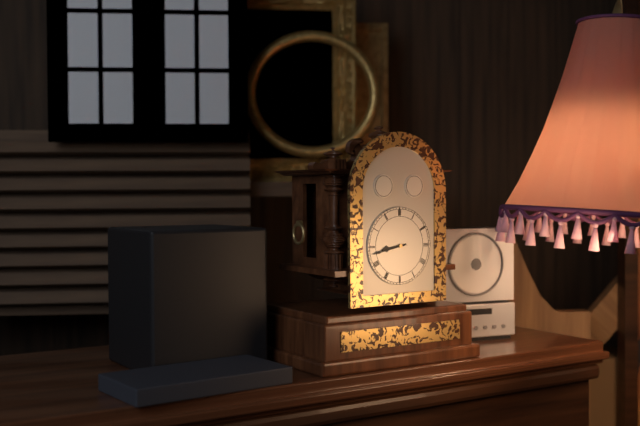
8:43
